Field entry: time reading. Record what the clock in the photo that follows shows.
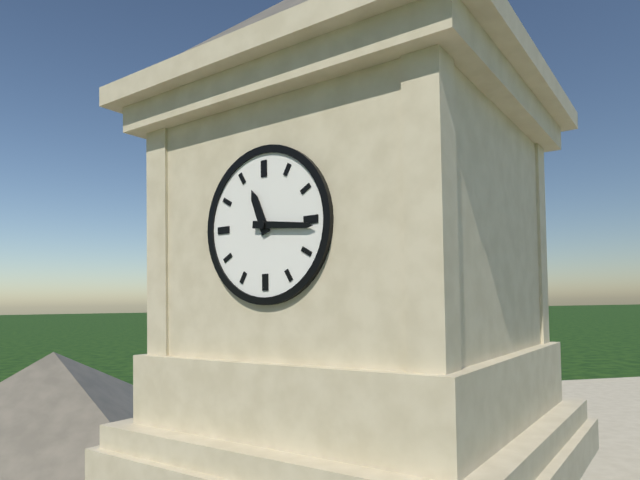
11:16
